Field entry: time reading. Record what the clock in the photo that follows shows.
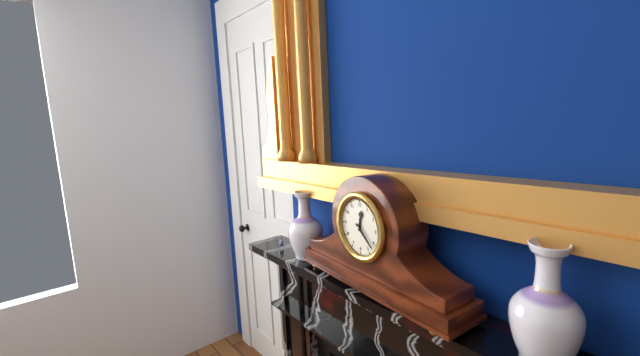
12:22
